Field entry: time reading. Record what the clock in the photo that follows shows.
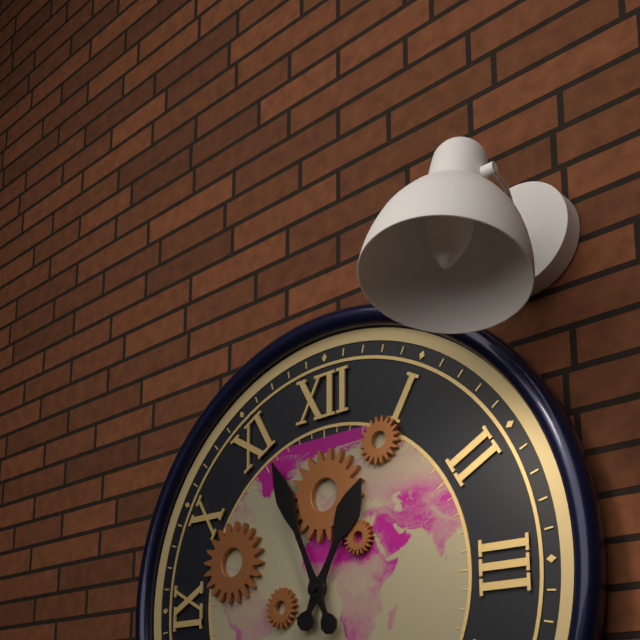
12:56
